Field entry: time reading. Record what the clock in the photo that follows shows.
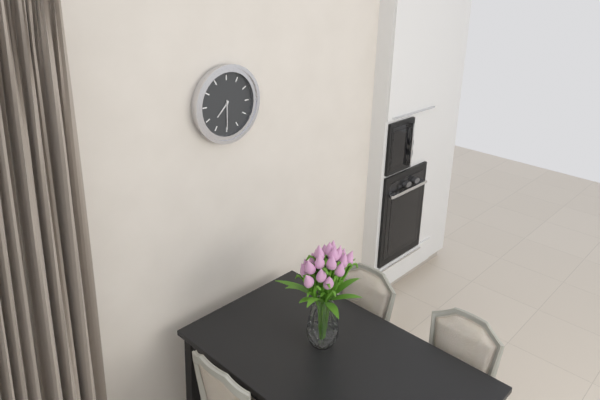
7:30
